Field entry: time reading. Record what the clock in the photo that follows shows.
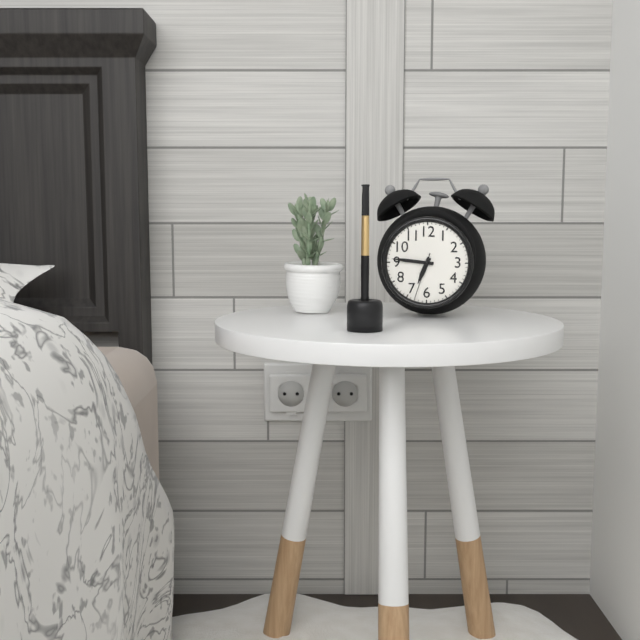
6:46
